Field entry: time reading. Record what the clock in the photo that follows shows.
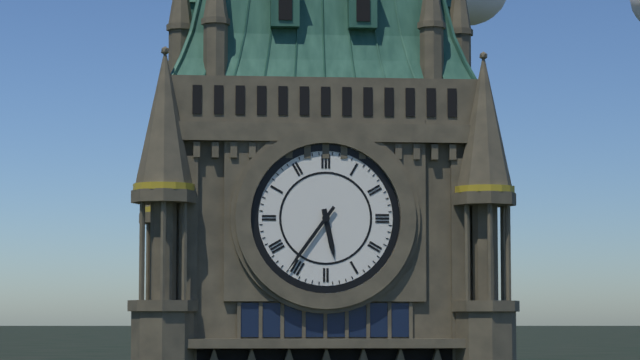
5:36
